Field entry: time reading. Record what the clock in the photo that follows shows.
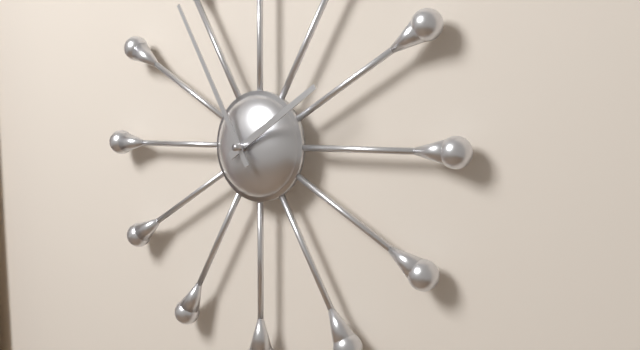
1:55
